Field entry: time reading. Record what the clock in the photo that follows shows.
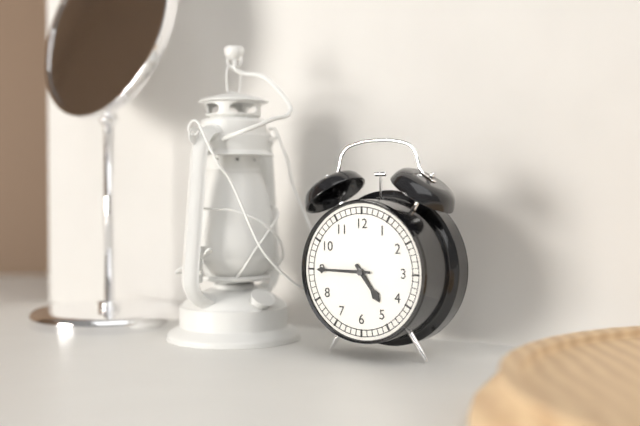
4:45
